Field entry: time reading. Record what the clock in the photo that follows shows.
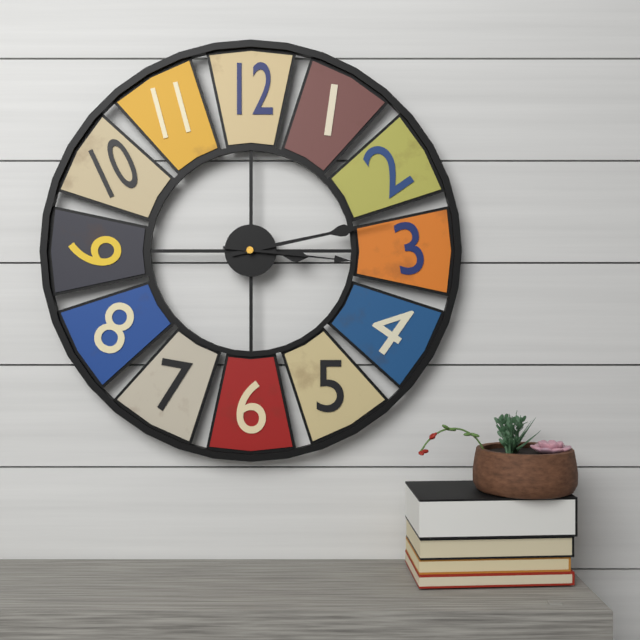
3:13:16
